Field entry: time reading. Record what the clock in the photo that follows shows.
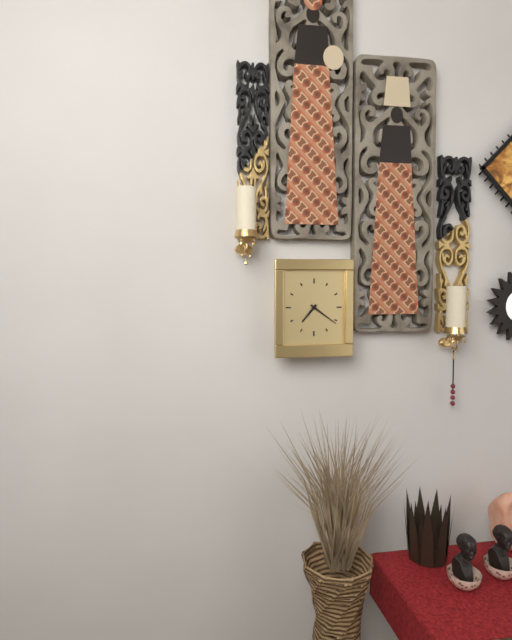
7:21
